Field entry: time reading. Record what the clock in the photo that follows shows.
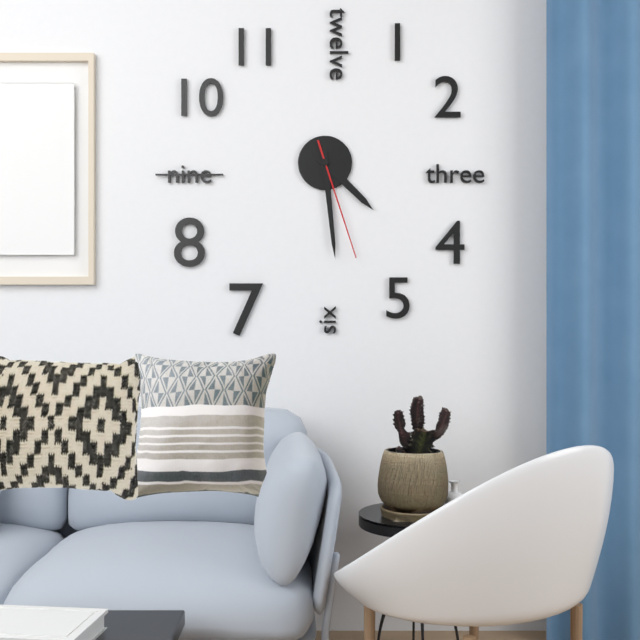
4:29:27
